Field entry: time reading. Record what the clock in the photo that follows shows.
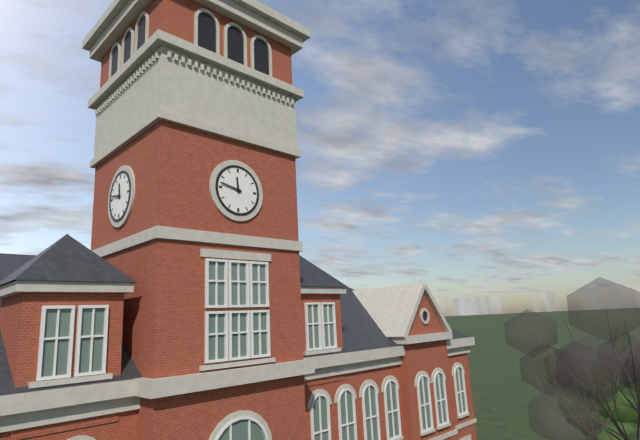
11:47
